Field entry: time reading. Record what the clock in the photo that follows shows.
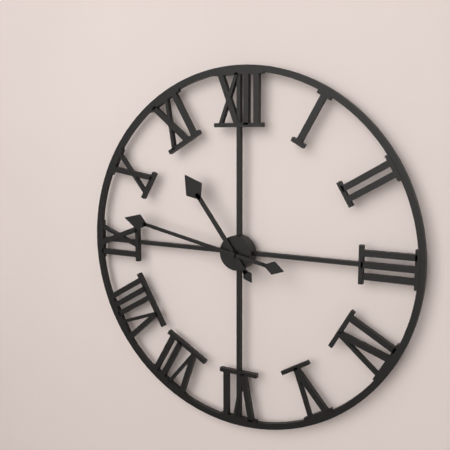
10:47
